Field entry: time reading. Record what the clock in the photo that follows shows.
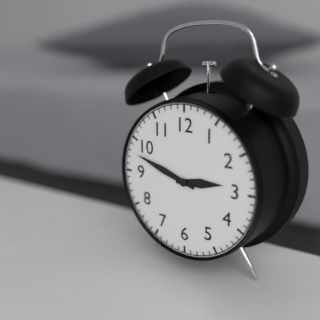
2:48
